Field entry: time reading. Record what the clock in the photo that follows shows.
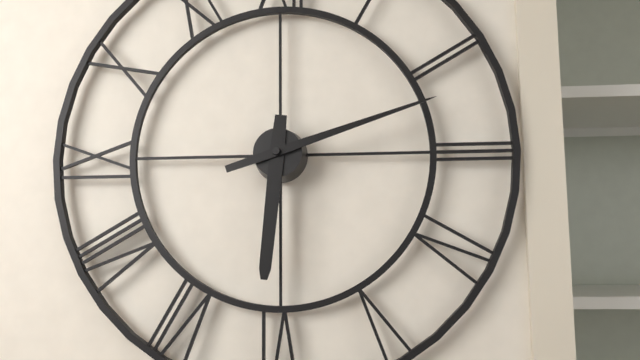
6:12
